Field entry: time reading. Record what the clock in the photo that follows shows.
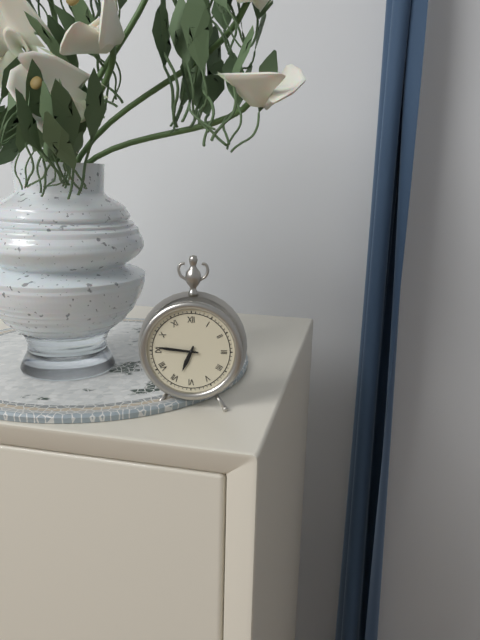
6:46
